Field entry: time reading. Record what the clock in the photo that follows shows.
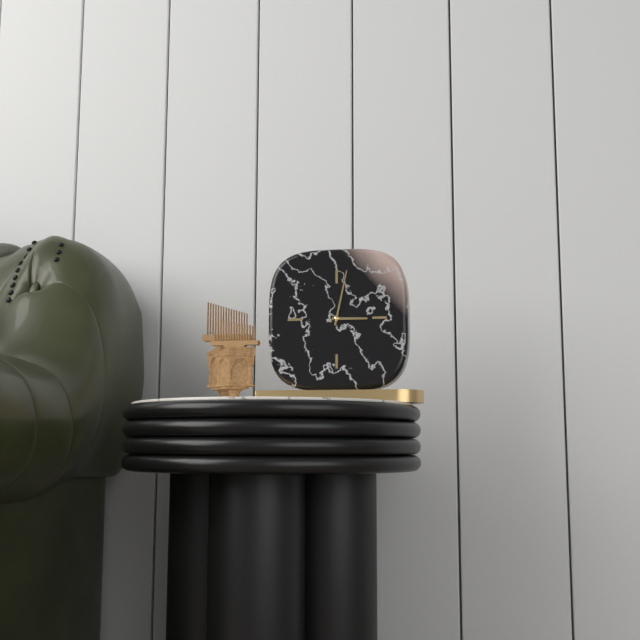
3:02
